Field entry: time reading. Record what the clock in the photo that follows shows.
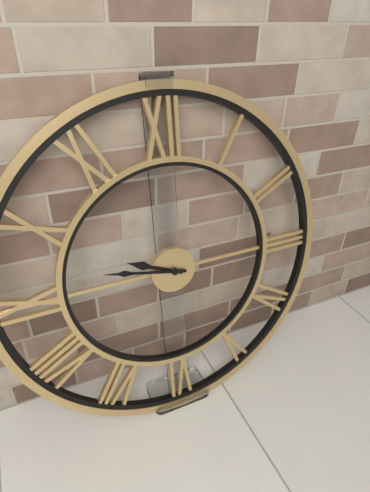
9:47
